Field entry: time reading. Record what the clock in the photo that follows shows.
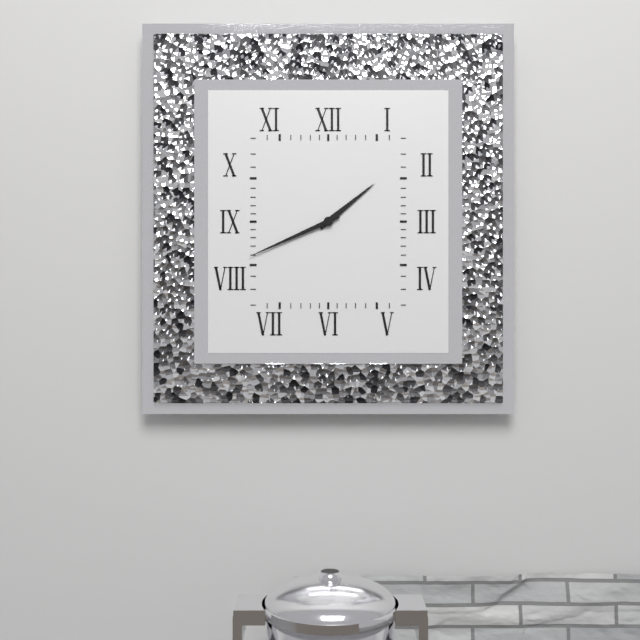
1:41
